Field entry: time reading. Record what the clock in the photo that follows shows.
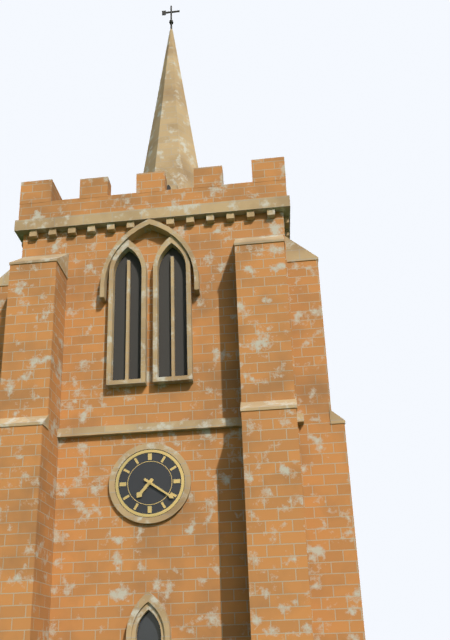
7:21
